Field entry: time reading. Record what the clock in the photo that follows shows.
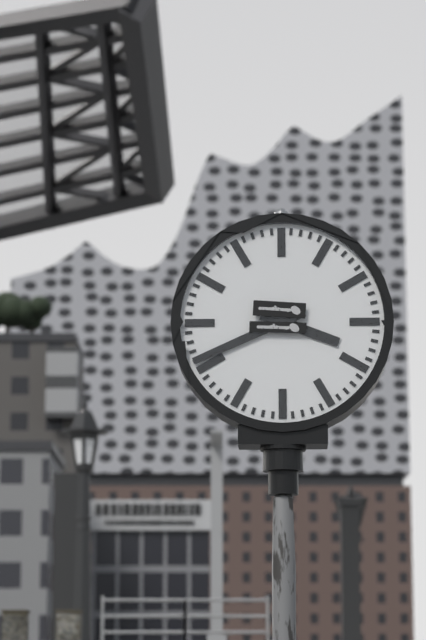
3:41
